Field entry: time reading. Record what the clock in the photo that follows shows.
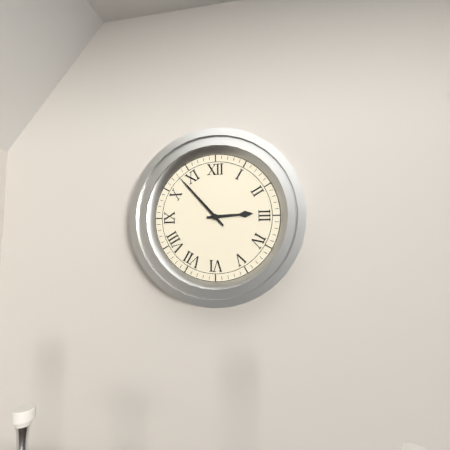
2:53
